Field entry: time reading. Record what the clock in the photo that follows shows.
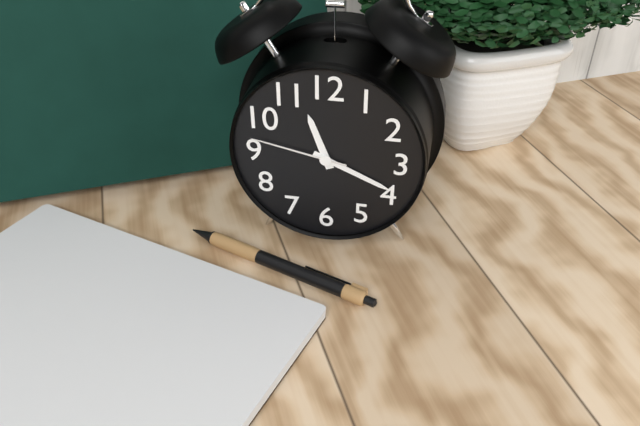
11:19:47
